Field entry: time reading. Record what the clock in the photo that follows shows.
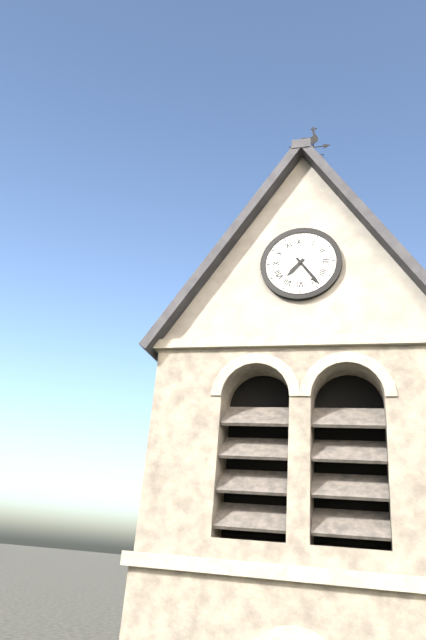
7:24
